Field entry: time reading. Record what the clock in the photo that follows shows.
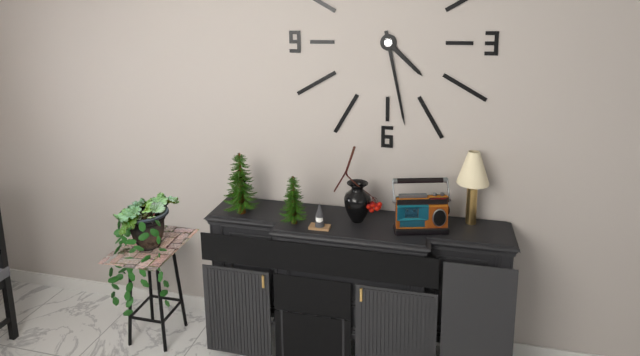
4:28
